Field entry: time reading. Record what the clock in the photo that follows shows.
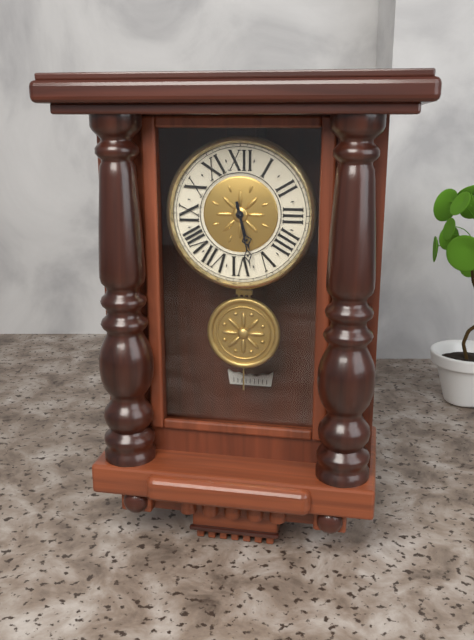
5:28
